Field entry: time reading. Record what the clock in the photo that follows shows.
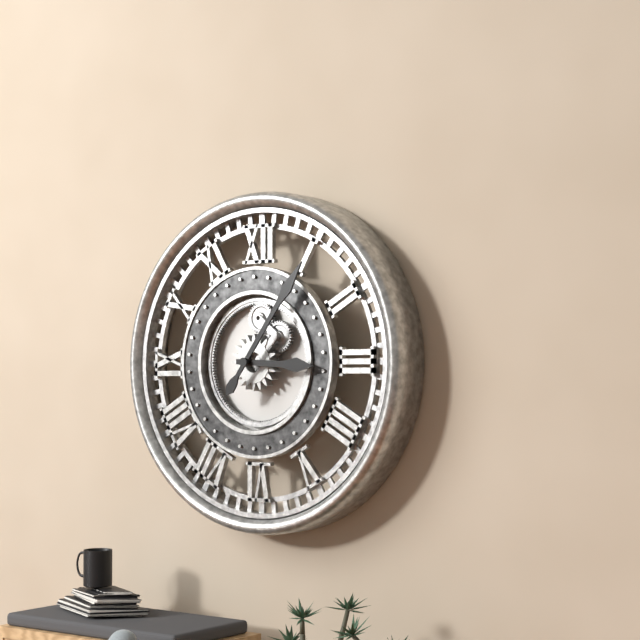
3:06
